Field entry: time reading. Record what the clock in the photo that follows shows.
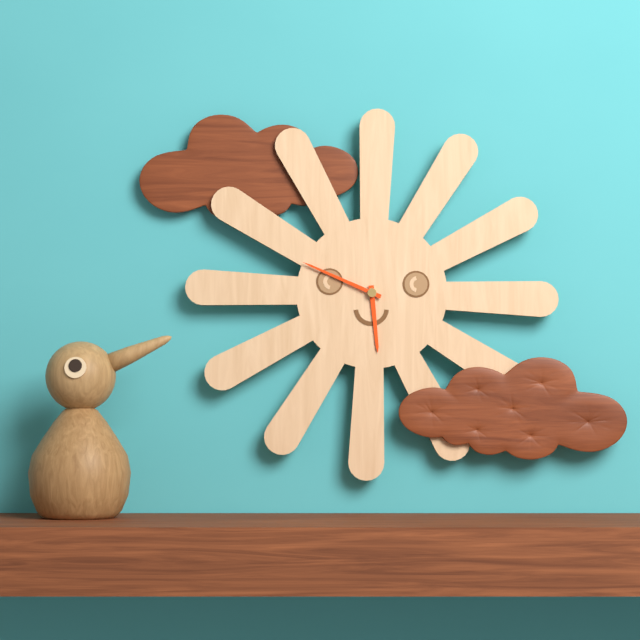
5:49
